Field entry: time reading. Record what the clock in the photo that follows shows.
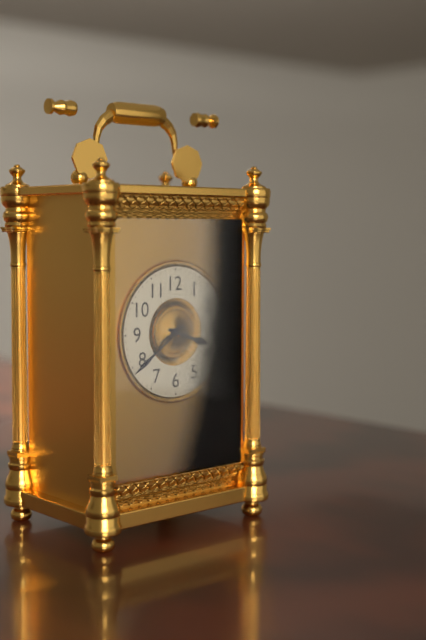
3:39
